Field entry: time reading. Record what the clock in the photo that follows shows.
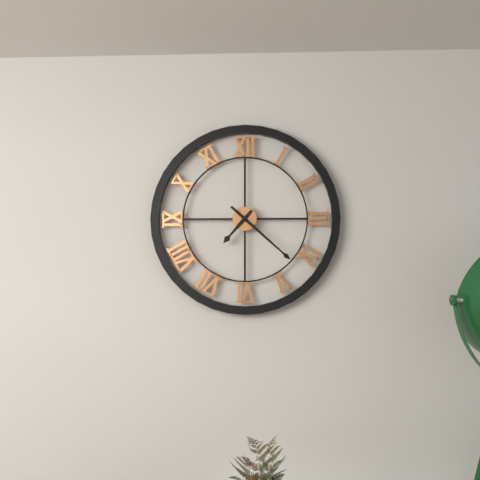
7:22
